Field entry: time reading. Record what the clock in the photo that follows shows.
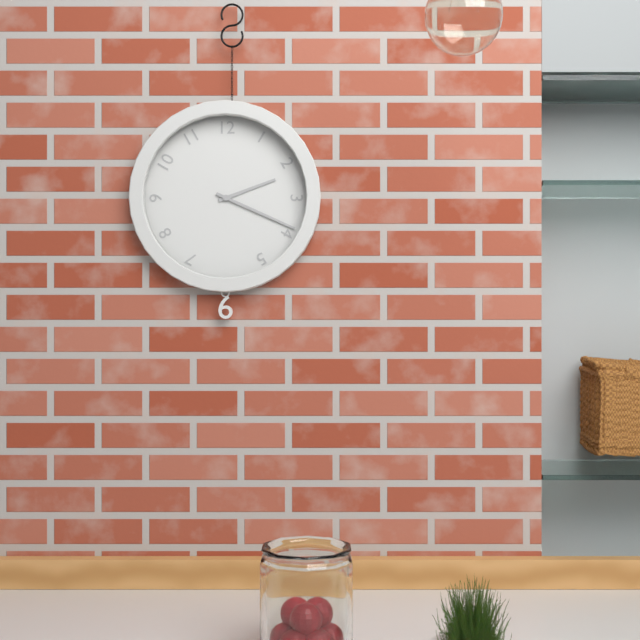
2:19
